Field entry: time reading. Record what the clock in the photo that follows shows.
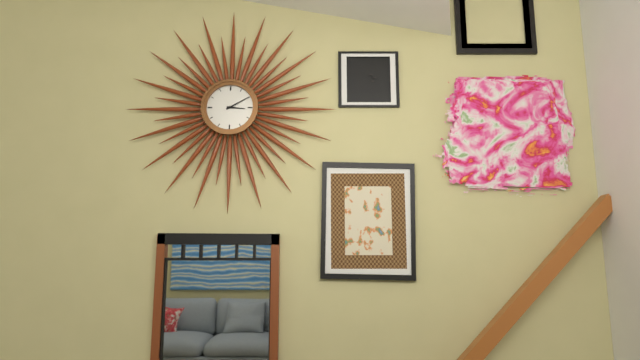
3:10
